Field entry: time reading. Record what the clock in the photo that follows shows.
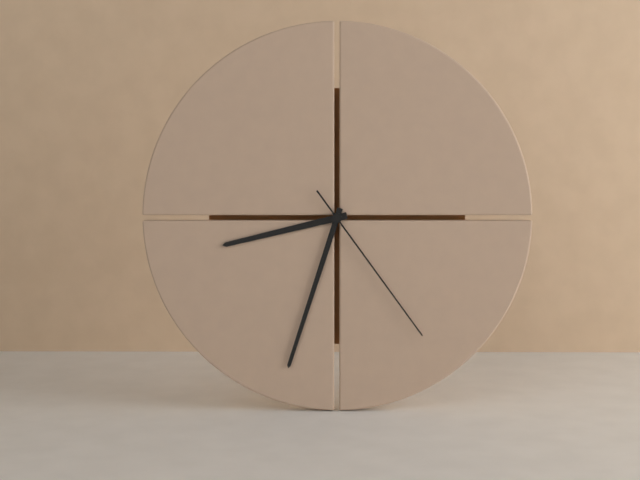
8:33:24
